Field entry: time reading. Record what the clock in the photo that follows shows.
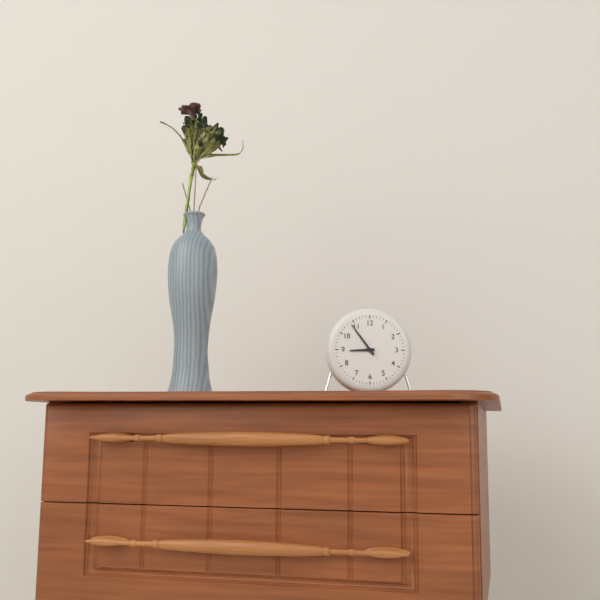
8:54
